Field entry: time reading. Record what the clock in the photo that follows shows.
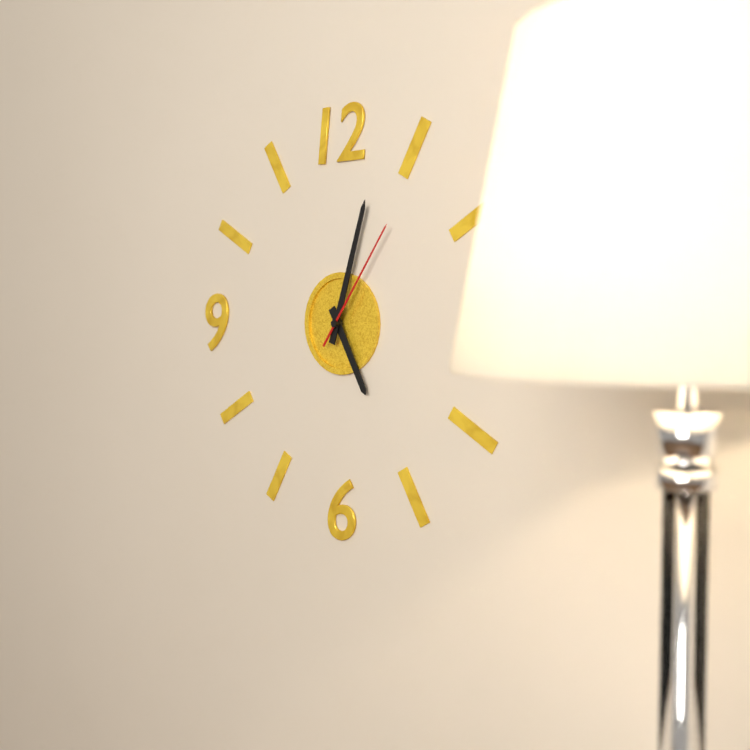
5:03:06
